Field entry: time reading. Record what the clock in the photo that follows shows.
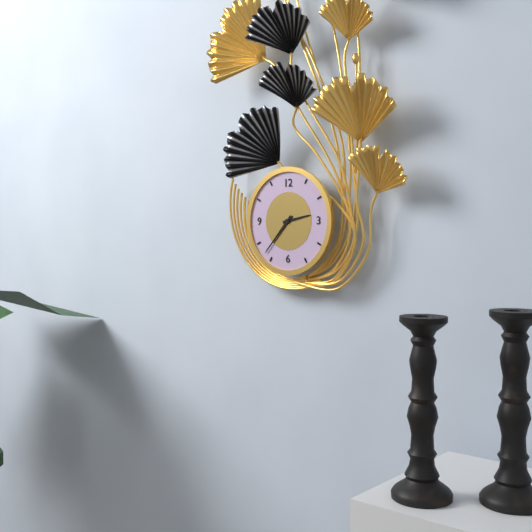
2:37
